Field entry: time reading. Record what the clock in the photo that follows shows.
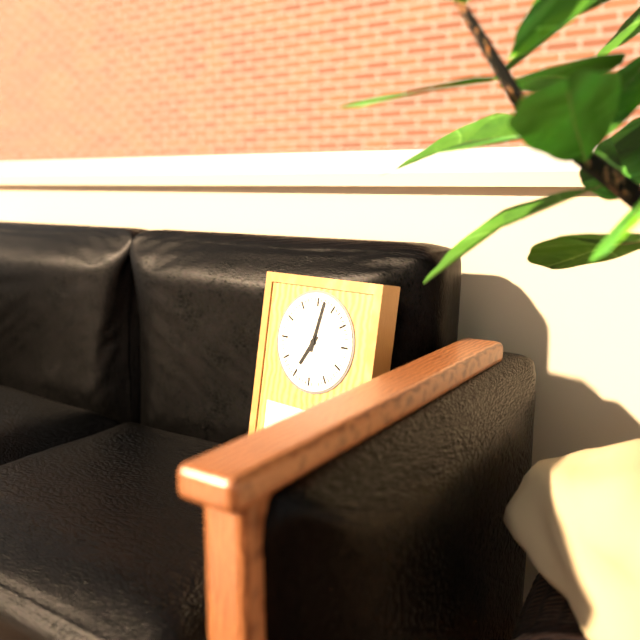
7:02
